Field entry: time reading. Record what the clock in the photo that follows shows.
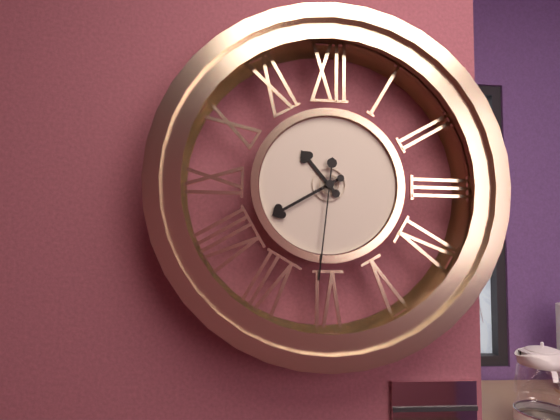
10:40:31
